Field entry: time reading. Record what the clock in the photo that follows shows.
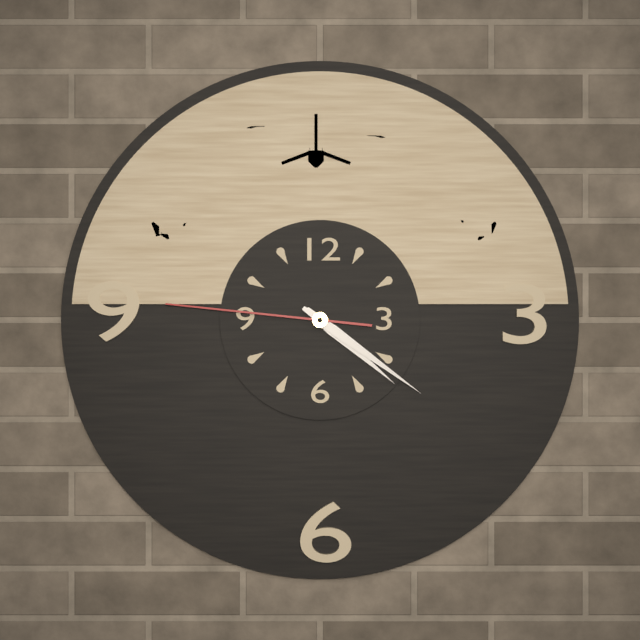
4:21:46
